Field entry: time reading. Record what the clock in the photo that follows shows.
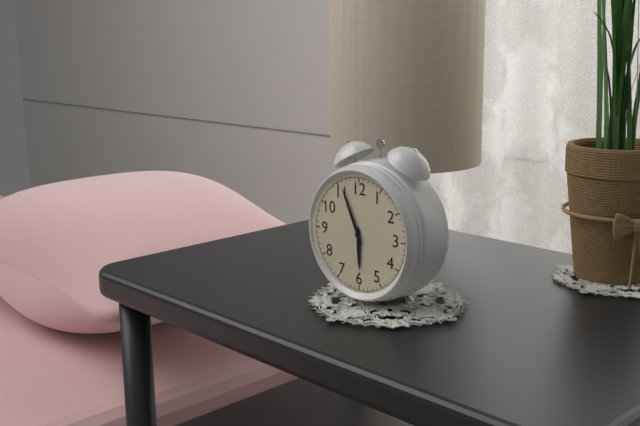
5:56
